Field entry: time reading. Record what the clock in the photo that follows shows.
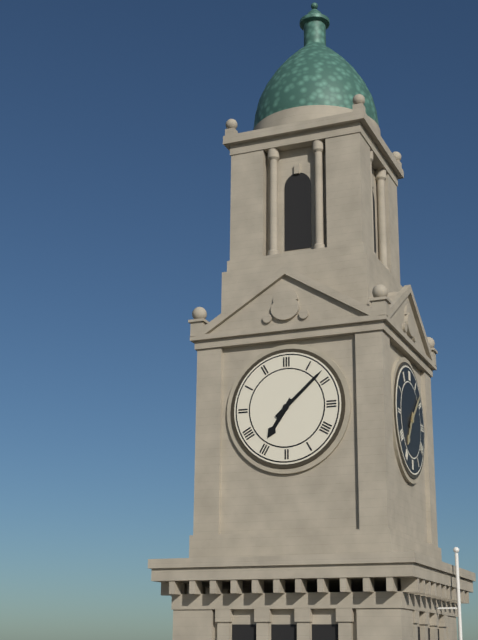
7:08
